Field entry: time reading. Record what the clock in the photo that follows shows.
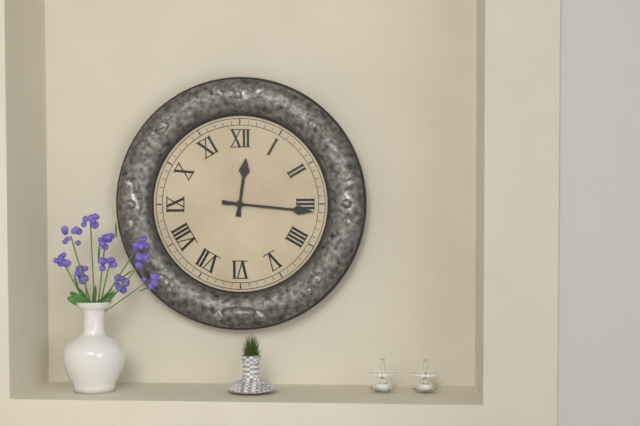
12:16
